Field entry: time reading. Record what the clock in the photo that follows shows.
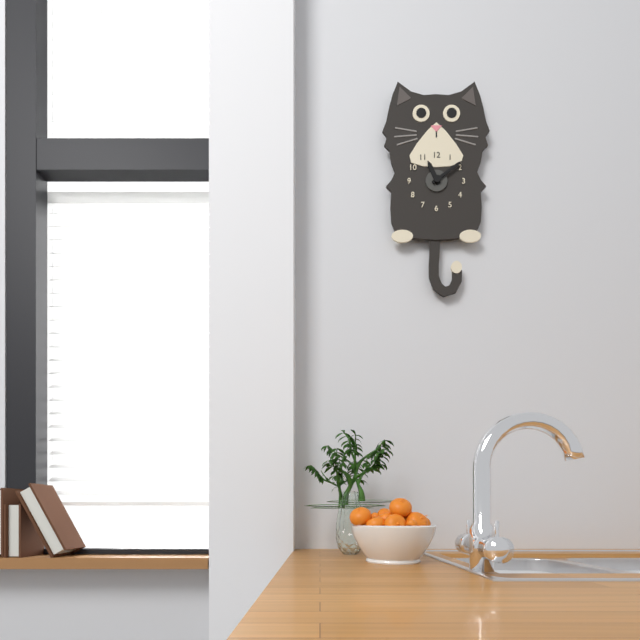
11:09
